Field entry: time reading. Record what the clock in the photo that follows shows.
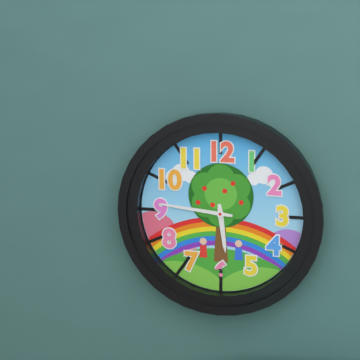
5:46
